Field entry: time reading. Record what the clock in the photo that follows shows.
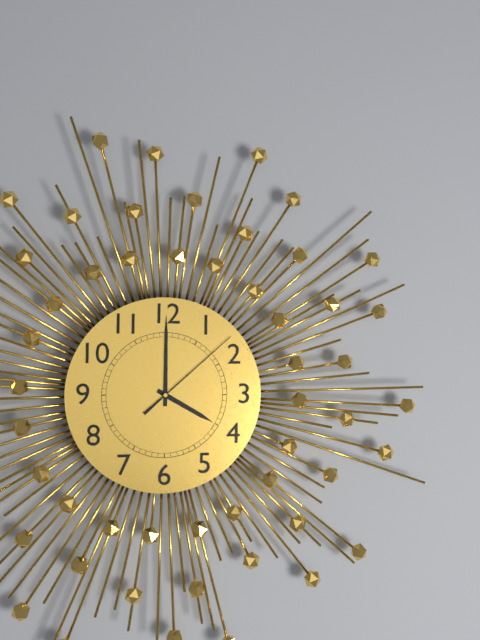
4:00:08
